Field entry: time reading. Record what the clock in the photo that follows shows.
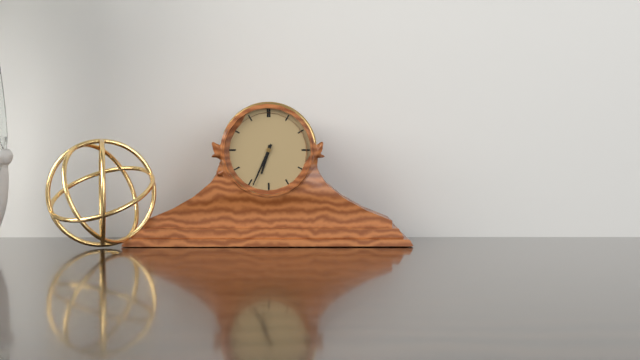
6:34
